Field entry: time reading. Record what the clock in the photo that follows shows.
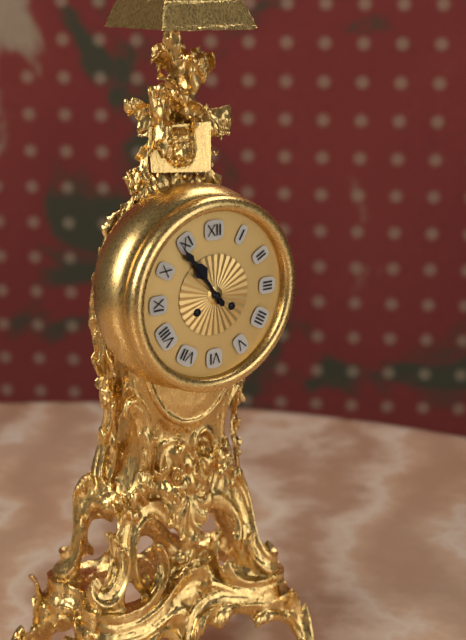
10:54
